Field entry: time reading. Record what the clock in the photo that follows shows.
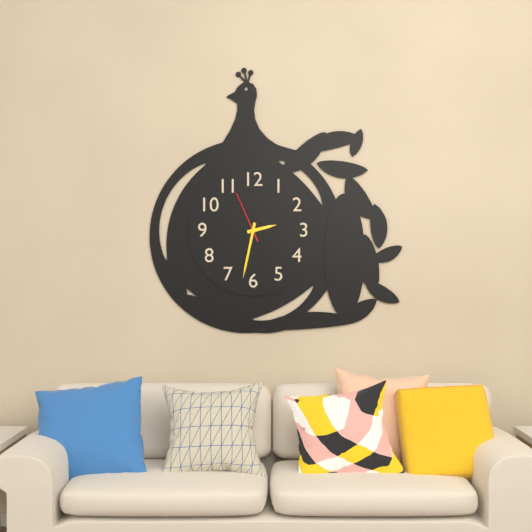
2:32:56
